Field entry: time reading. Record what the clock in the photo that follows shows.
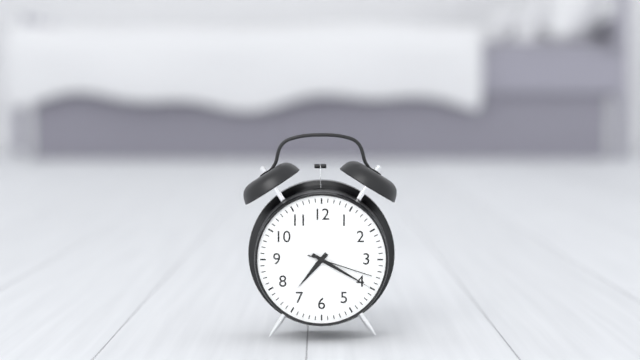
7:20:18
